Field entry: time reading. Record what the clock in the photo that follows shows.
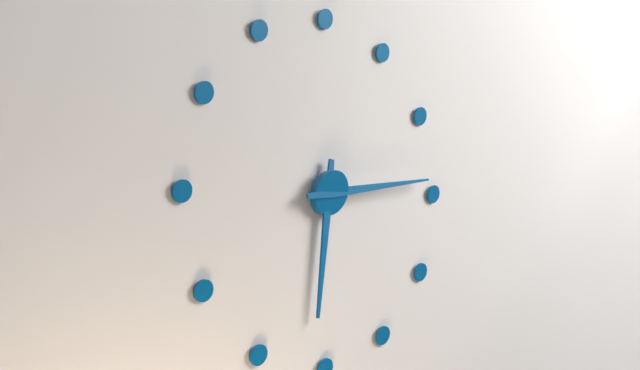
6:14
